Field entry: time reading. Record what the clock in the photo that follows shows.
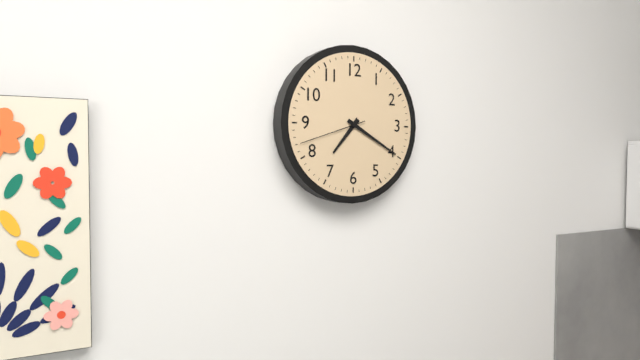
7:20:42
